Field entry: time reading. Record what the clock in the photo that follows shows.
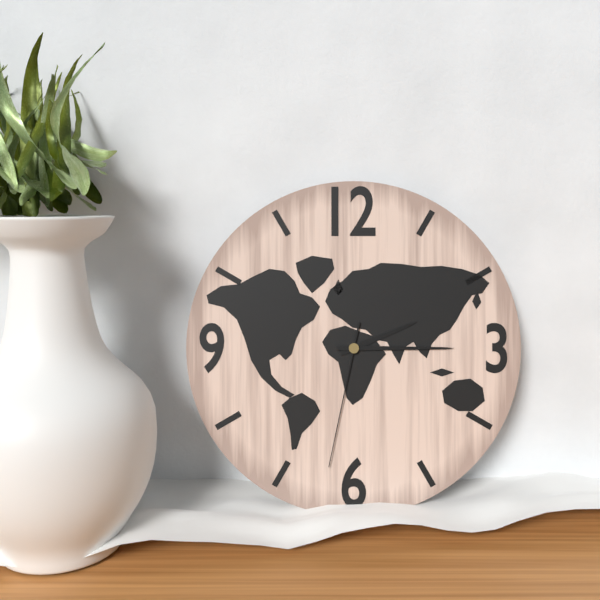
2:15:32
